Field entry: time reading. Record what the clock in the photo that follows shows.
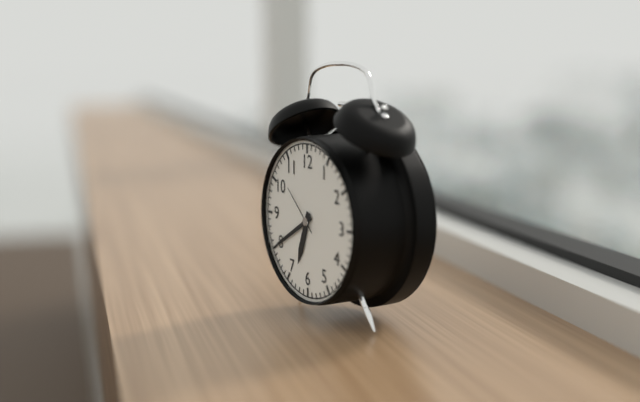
6:40:52
